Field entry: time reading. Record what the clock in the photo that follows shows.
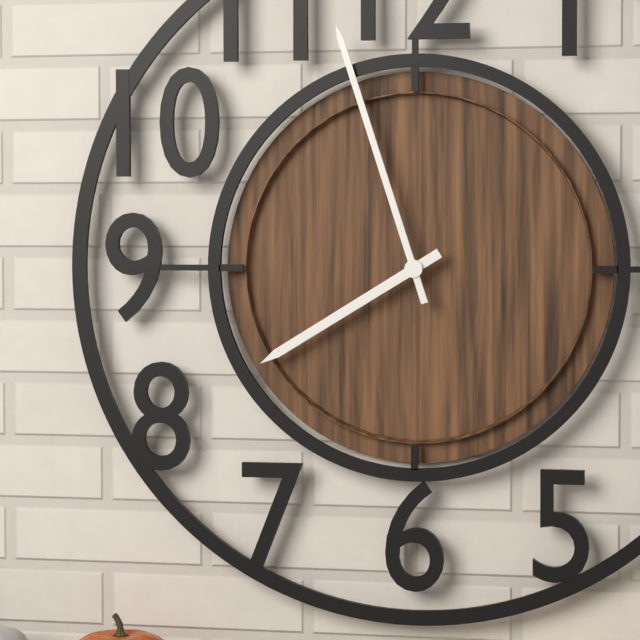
7:57
